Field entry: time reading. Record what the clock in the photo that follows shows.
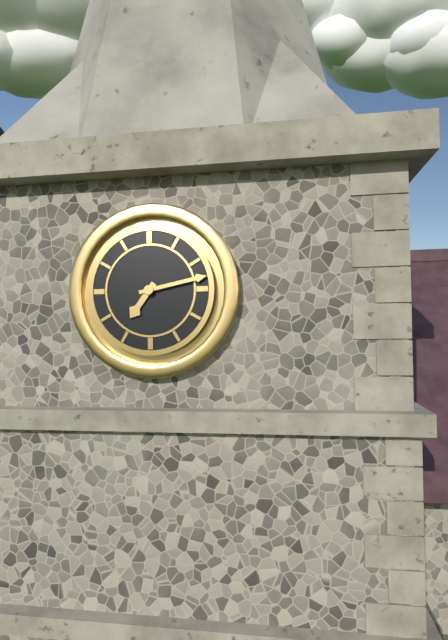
7:13
